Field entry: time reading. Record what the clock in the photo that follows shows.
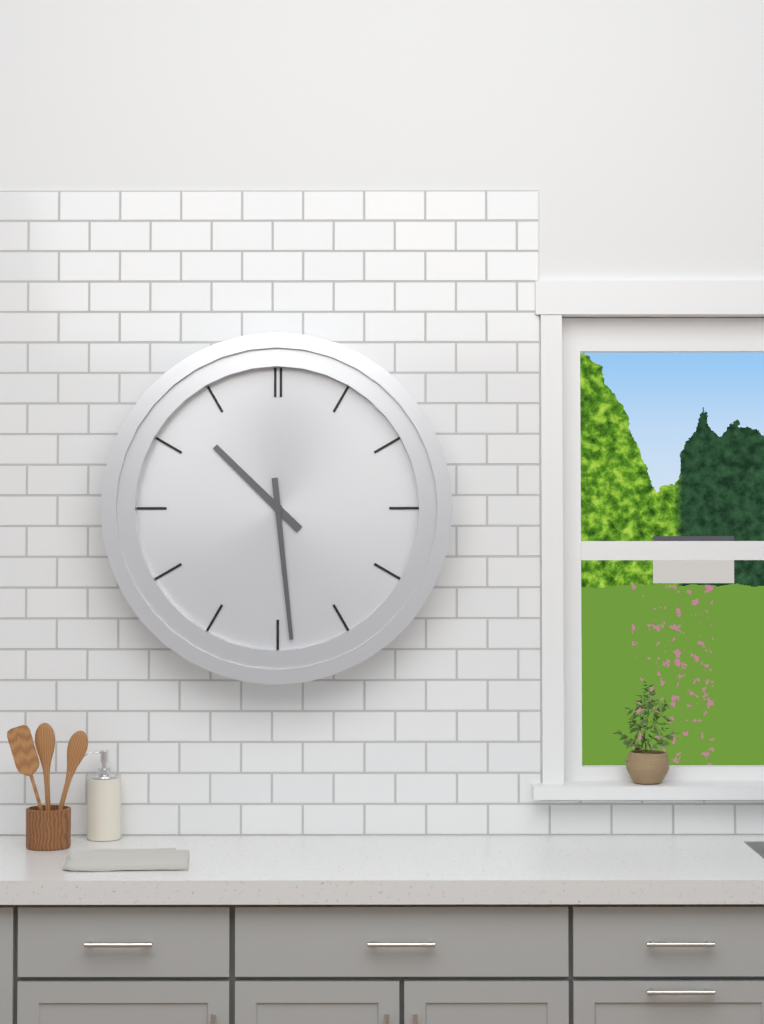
10:29
